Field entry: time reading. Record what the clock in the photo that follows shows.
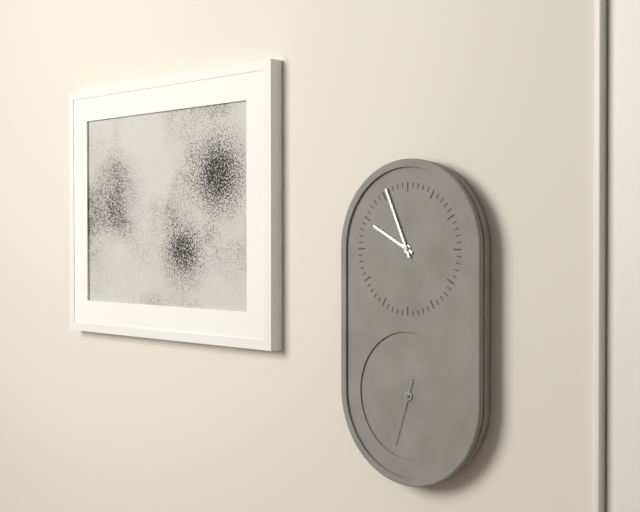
9:56:33
